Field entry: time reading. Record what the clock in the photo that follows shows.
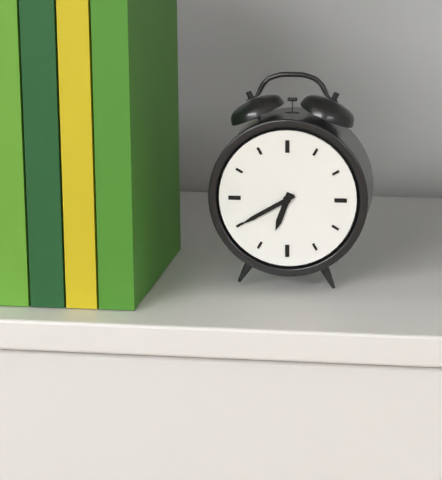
6:40
